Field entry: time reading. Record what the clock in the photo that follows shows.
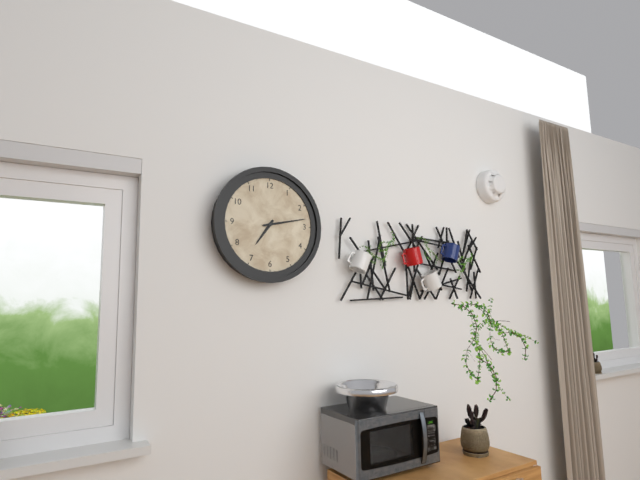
7:13
